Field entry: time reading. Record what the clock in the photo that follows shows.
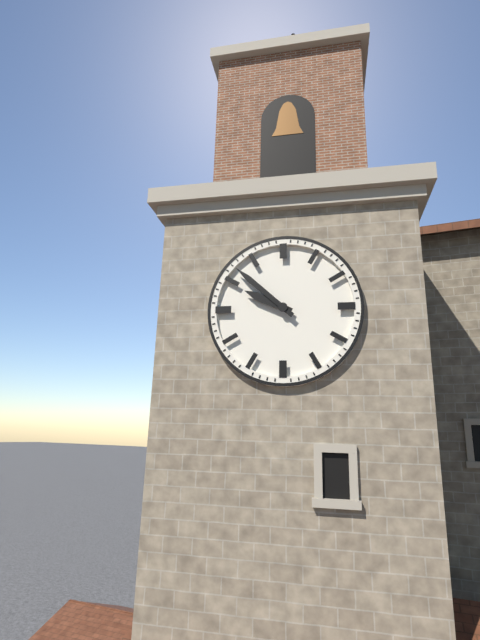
9:52
